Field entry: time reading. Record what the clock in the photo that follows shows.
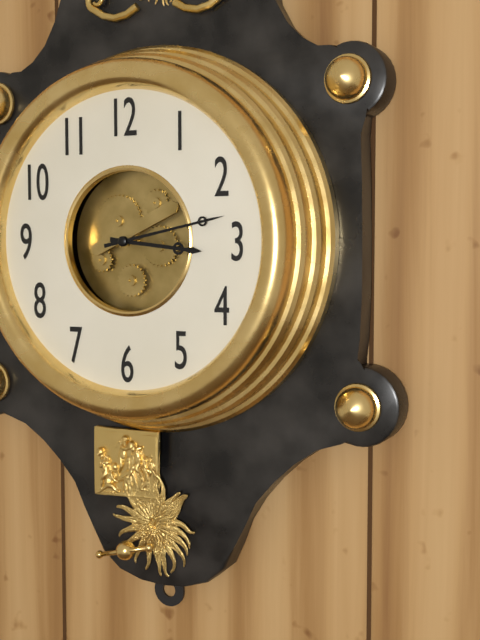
3:13
